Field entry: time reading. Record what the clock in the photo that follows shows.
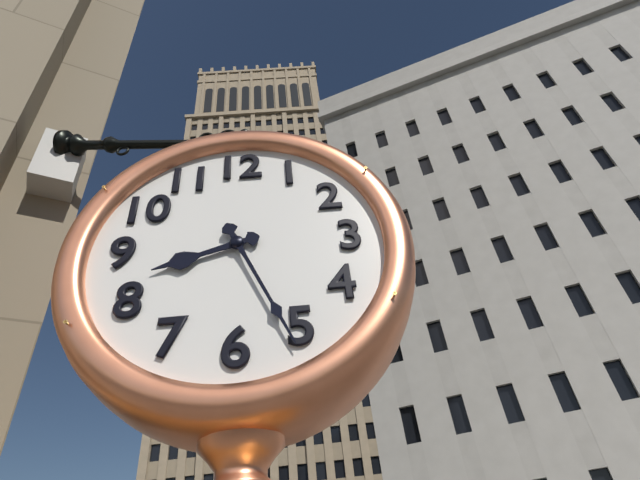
8:26
